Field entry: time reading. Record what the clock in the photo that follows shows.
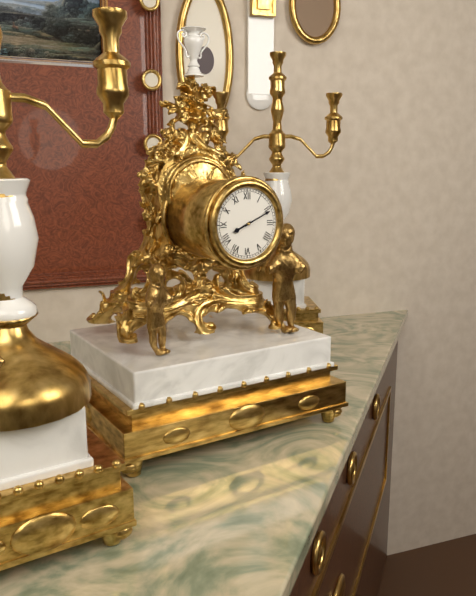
8:11
